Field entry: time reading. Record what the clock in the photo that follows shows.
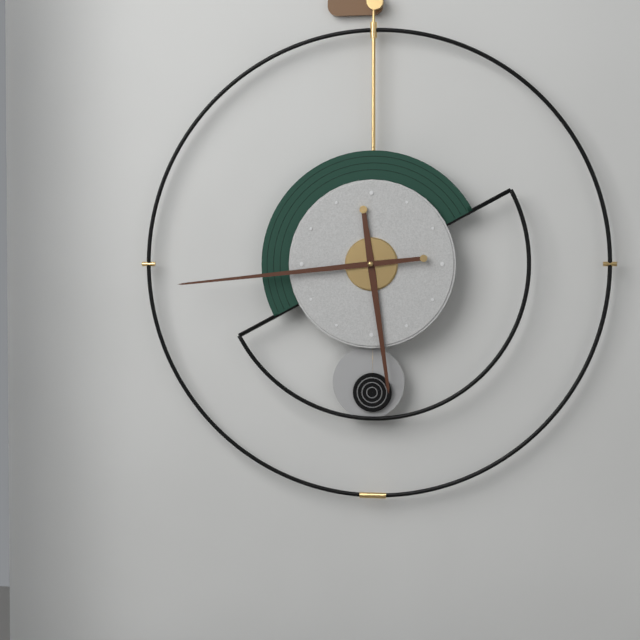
5:44
